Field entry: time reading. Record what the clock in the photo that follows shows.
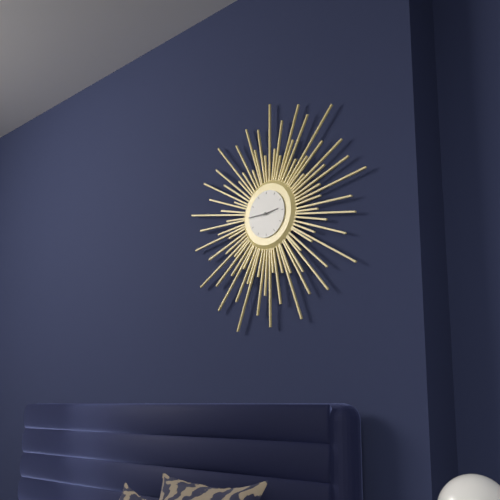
2:45
